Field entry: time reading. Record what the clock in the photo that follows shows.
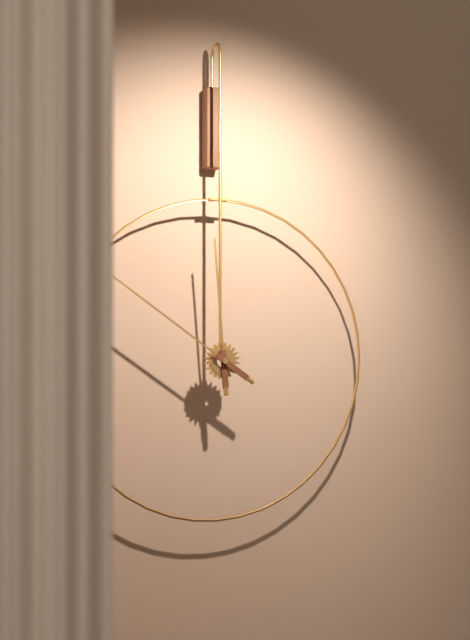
11:51
